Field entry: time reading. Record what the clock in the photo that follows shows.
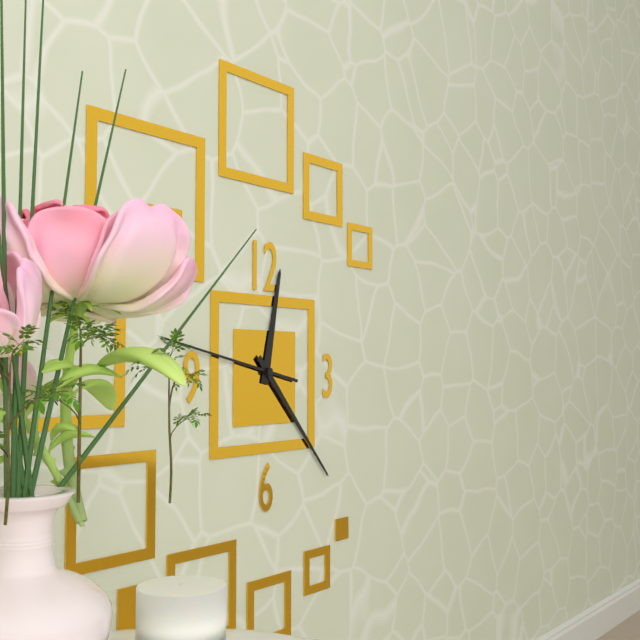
12:23:47
